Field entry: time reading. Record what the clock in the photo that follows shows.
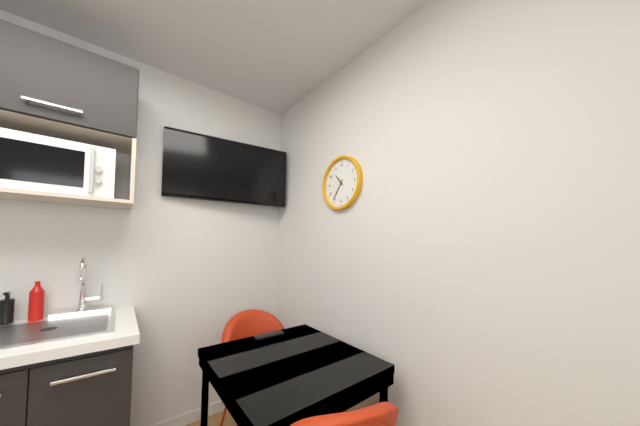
10:36
